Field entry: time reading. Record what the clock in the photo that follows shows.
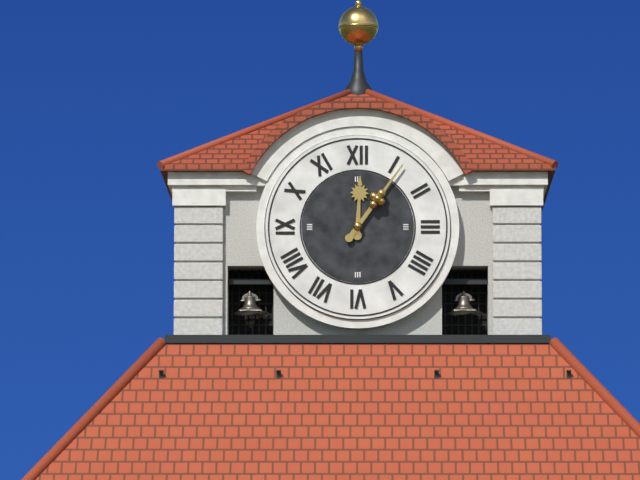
12:06
